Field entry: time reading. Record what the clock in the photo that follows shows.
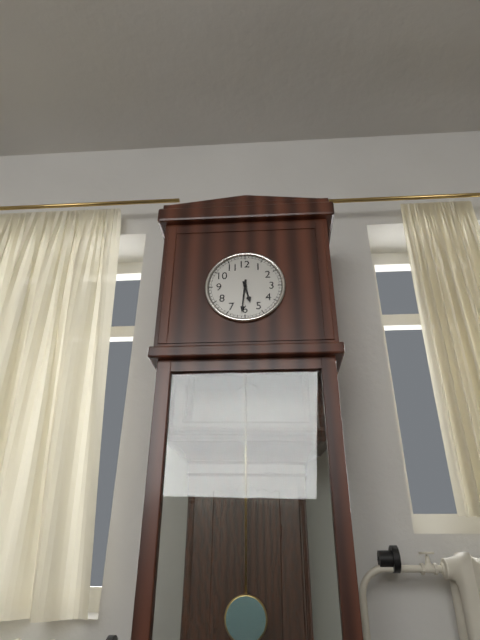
5:31
